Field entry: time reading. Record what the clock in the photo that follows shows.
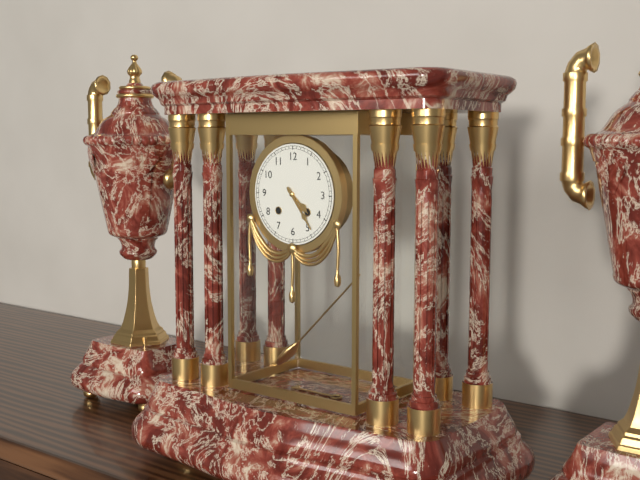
4:24
